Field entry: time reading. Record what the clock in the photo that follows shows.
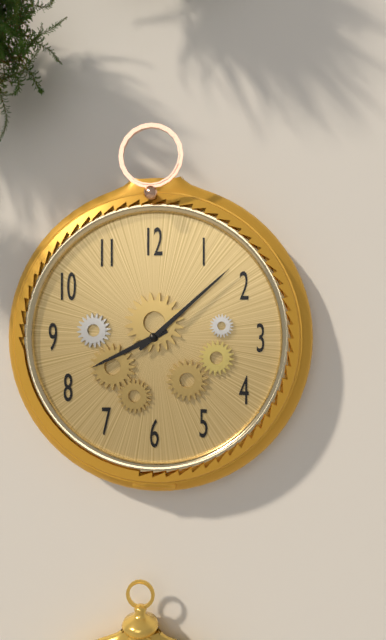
8:08
